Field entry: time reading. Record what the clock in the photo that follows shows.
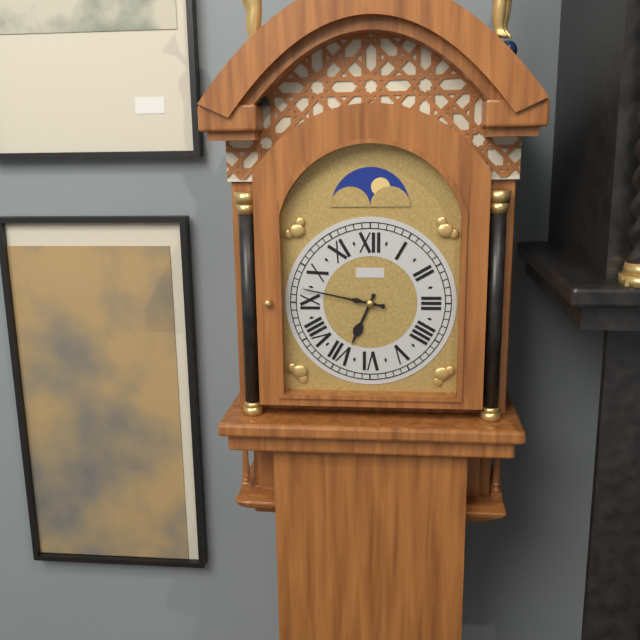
6:47
